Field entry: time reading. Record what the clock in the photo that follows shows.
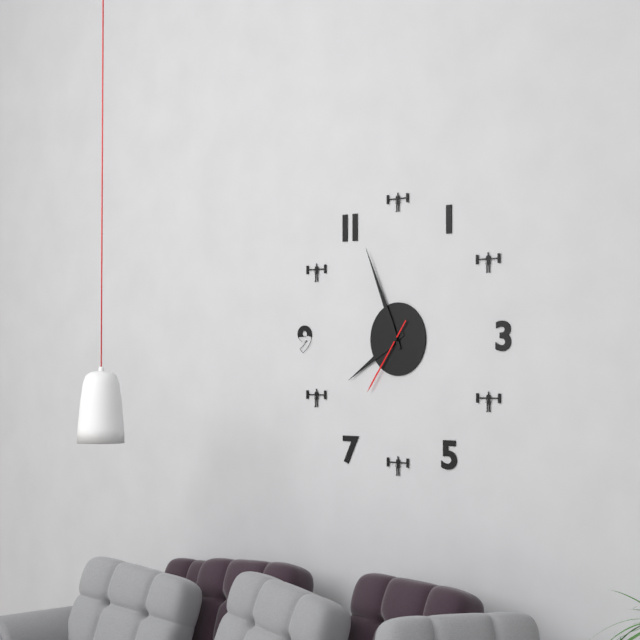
7:56:36
